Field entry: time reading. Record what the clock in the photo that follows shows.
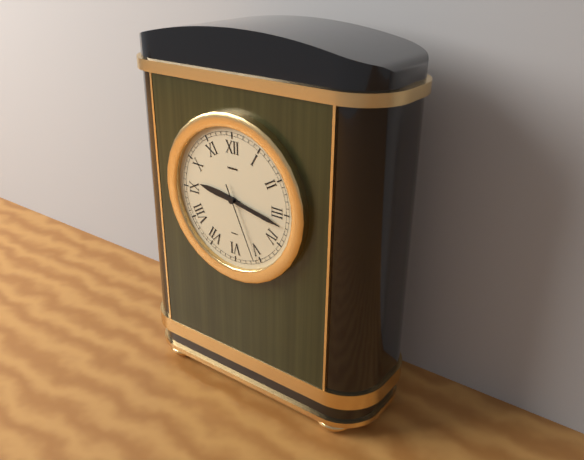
9:17:26
